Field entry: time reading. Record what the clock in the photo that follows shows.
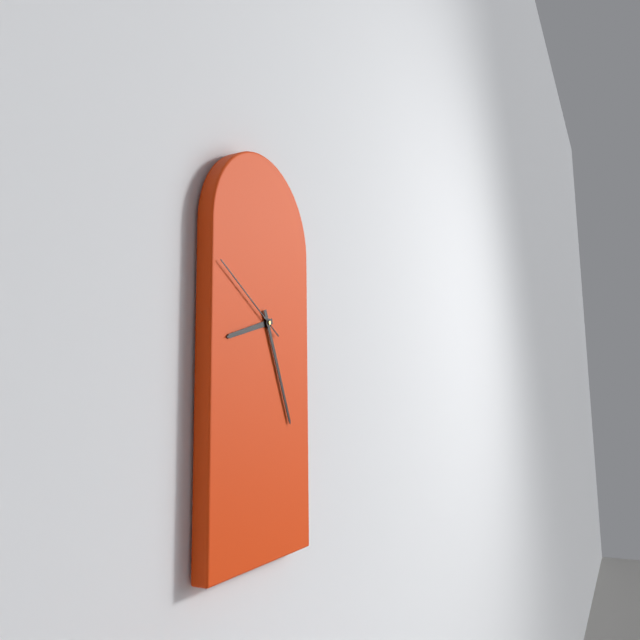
8:26:50
